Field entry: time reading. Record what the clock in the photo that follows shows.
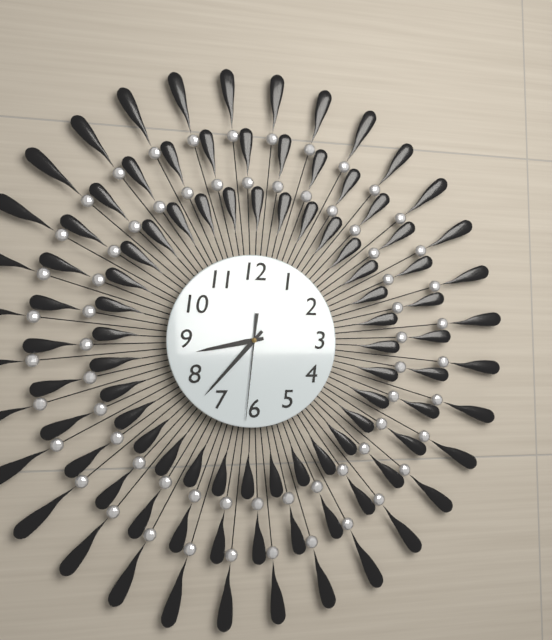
8:37:31
